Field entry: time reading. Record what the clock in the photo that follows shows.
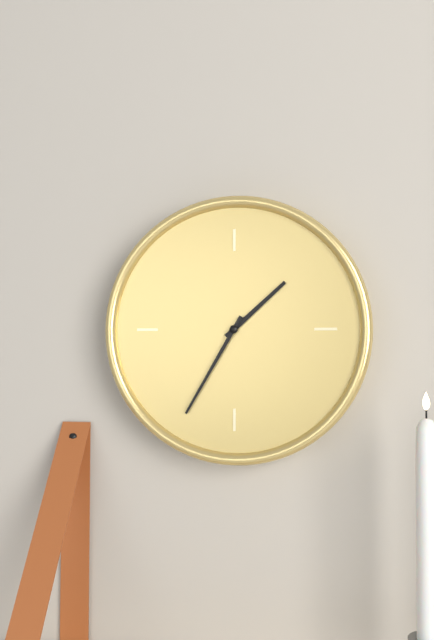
1:35
